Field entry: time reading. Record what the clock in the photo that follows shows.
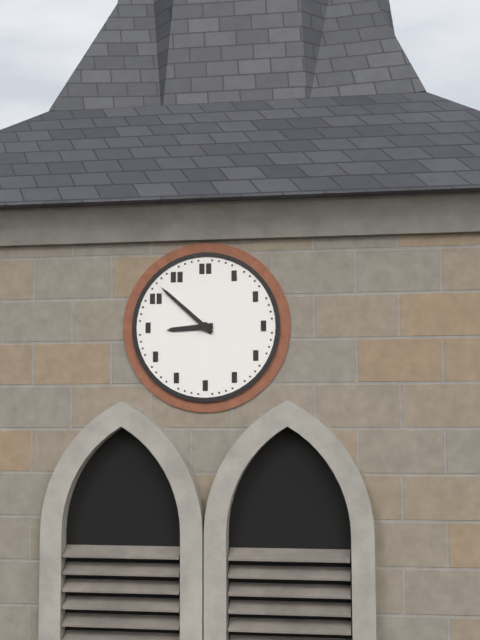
8:52
